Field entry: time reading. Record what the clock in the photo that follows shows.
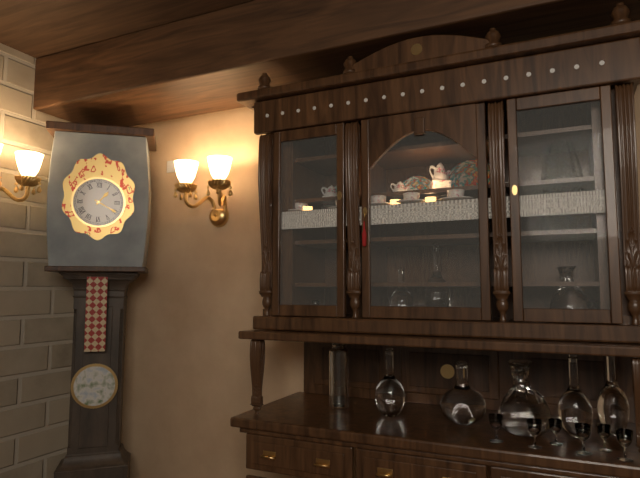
1:20
